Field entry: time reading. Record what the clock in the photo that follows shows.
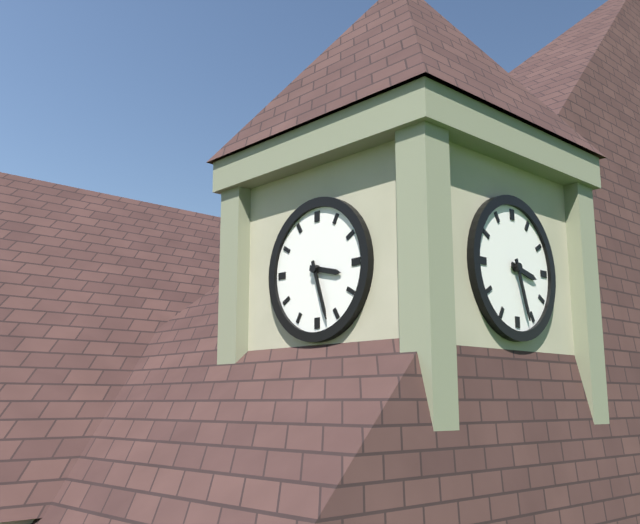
3:27
